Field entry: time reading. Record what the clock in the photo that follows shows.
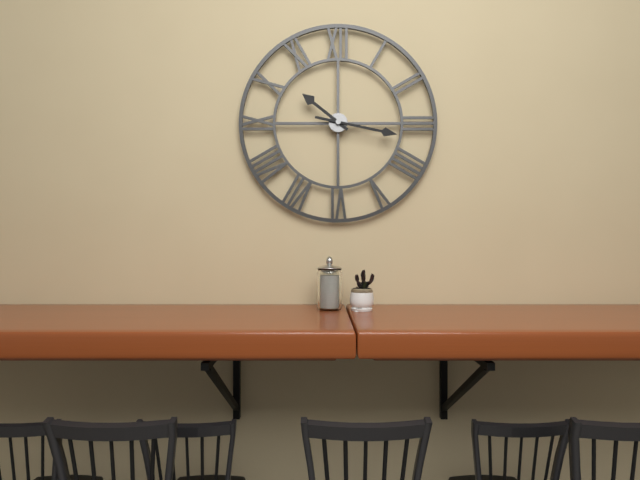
10:17
